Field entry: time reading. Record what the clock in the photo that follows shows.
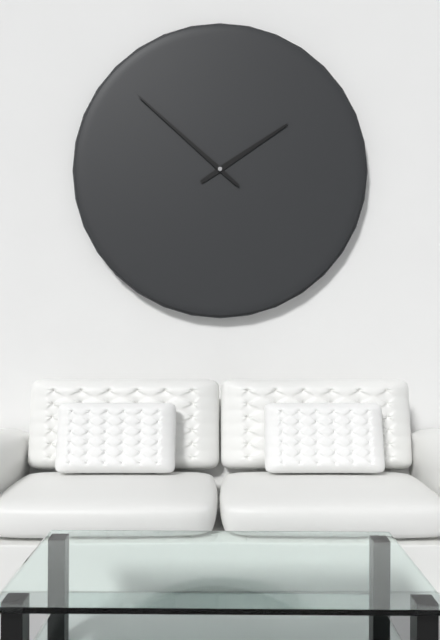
1:52
